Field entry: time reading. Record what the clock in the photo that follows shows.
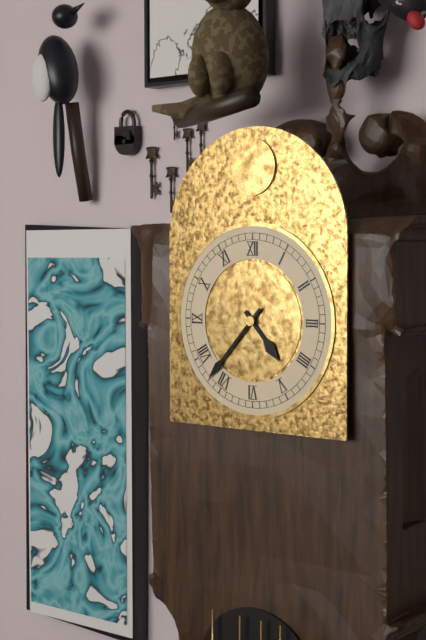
4:37
